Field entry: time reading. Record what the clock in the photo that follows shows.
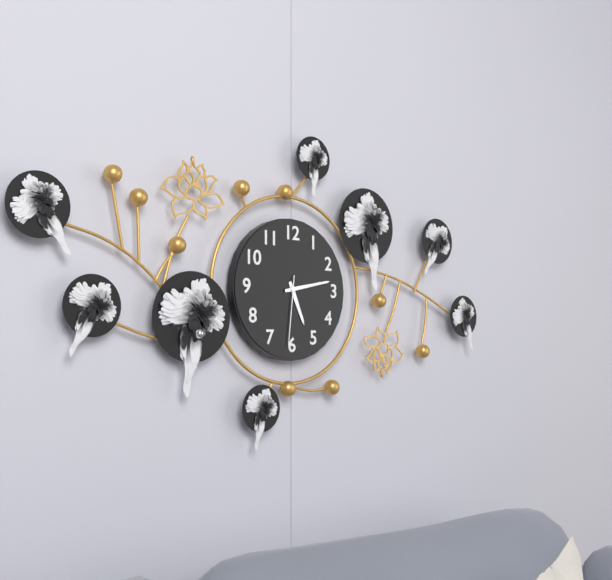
5:13:31
